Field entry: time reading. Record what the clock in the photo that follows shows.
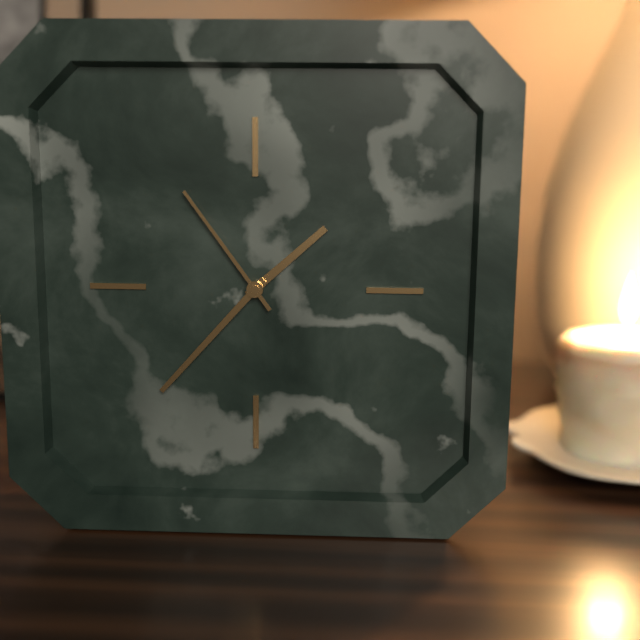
1:37:54
